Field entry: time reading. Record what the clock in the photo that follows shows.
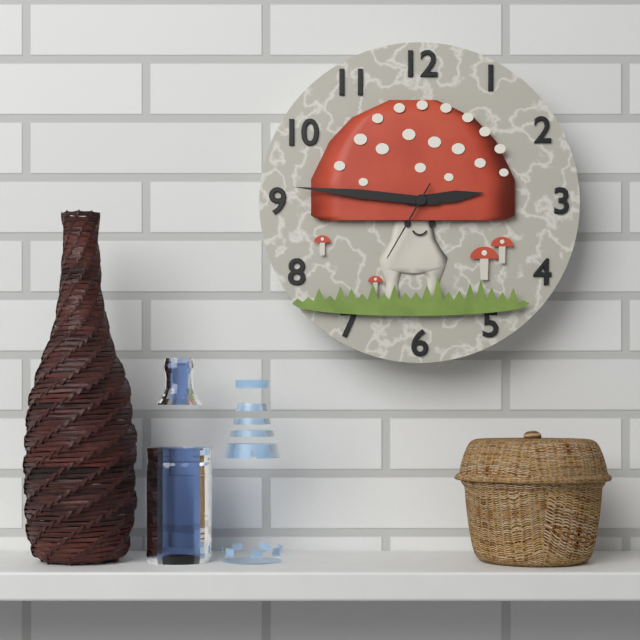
2:46:35
